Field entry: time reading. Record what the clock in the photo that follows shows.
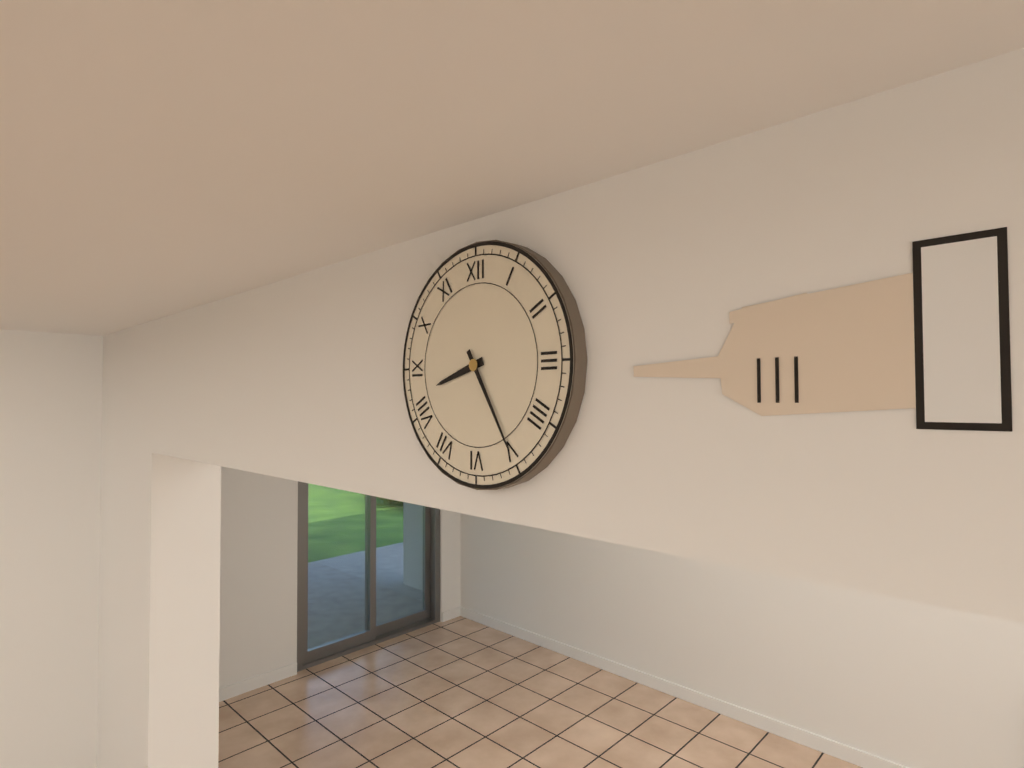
8:25
